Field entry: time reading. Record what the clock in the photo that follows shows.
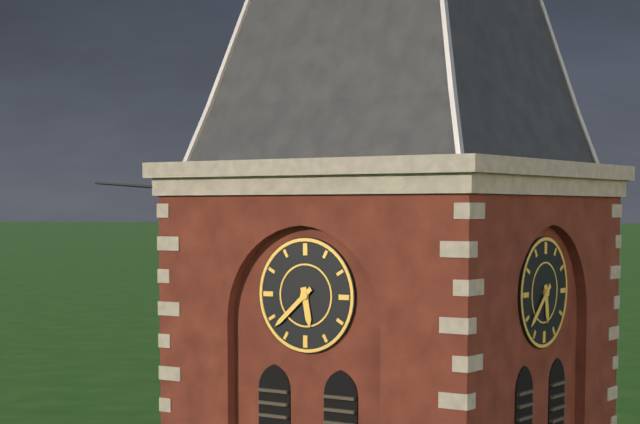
5:38
